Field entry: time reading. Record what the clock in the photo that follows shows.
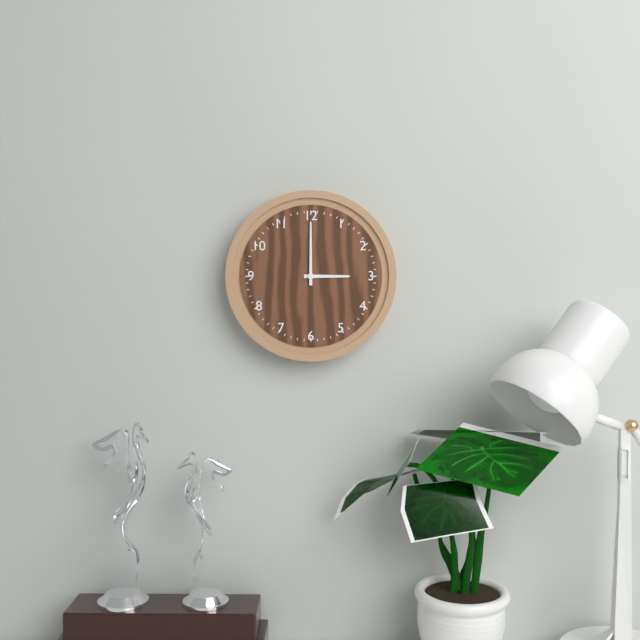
3:00
